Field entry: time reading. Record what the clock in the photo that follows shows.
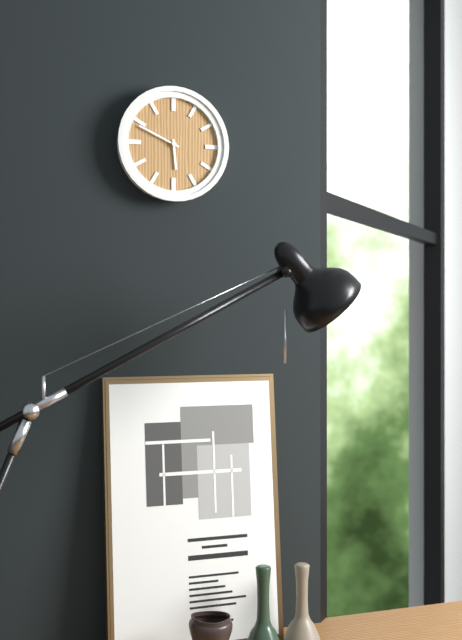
5:49
